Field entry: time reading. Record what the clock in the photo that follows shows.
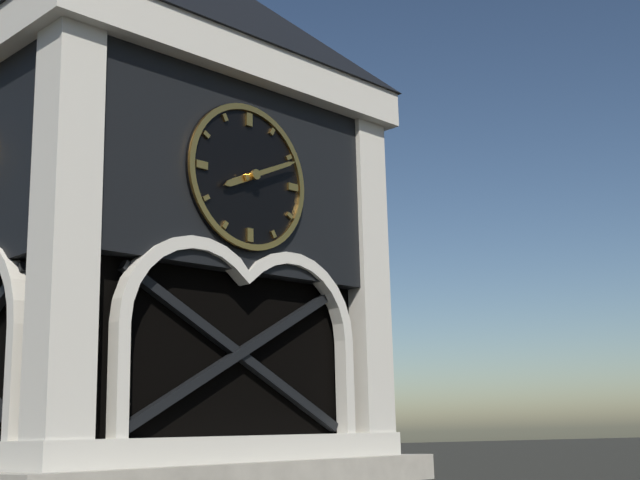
8:11
